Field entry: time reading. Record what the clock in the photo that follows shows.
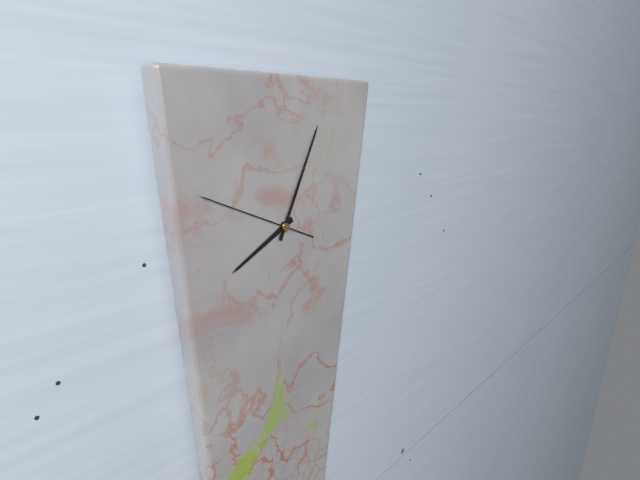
8:04:49
